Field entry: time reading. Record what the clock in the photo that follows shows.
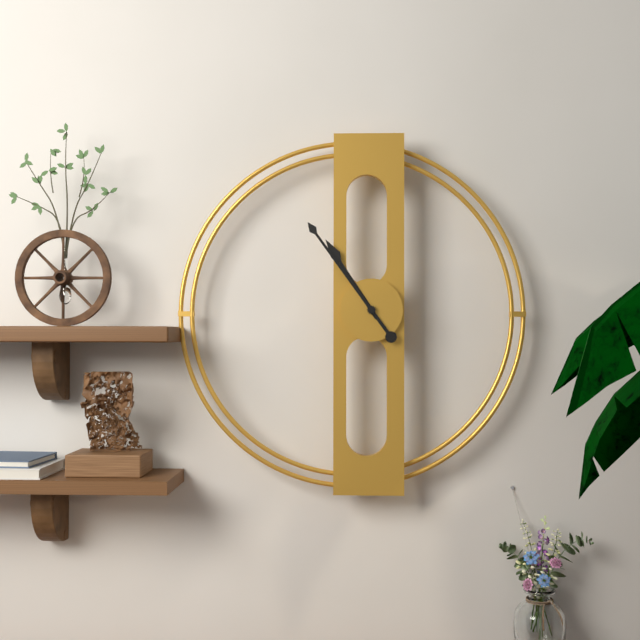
10:54
